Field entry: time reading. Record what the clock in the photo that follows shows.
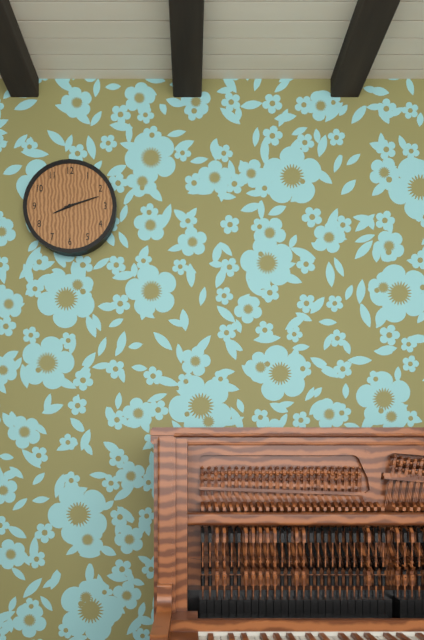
8:12
